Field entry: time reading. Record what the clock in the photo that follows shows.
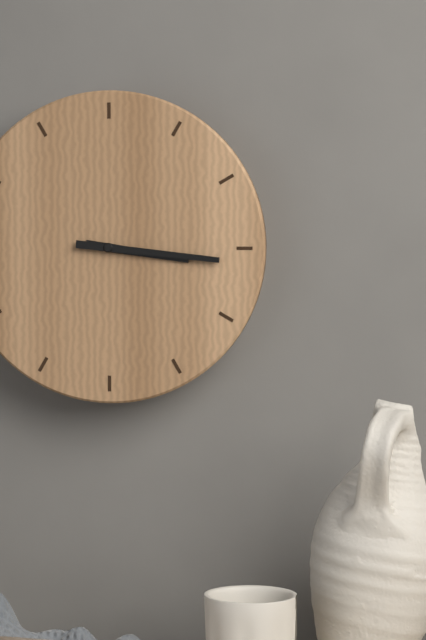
3:16
